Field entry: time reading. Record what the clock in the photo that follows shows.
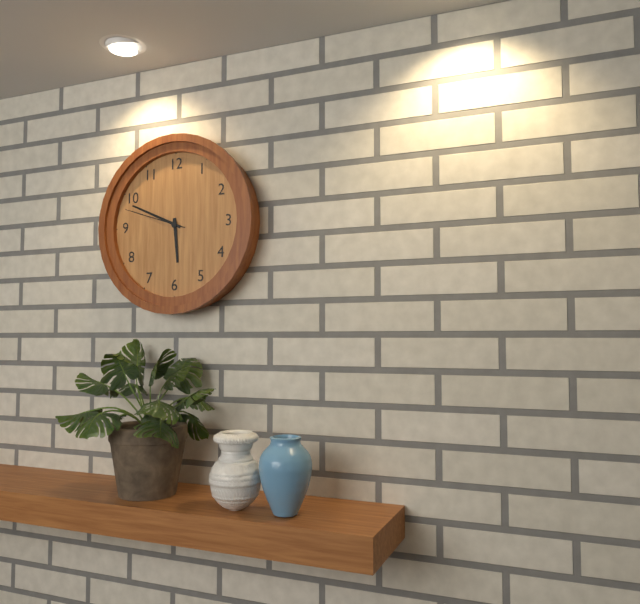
5:49:48
